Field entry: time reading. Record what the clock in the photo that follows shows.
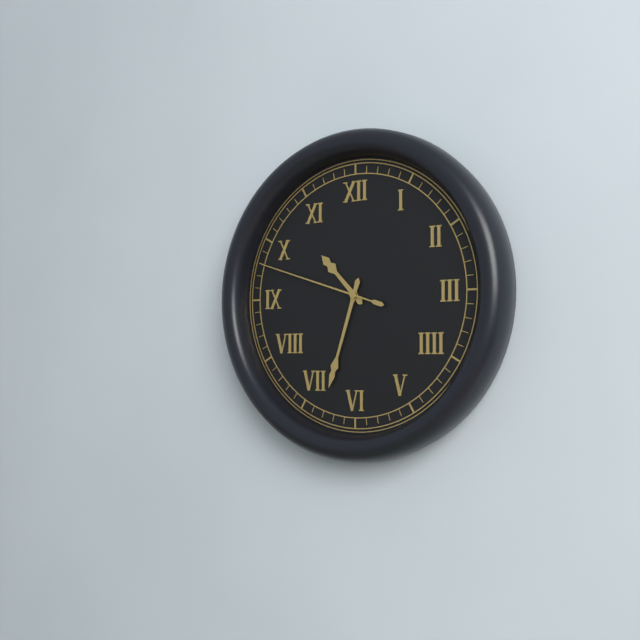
10:33:48
